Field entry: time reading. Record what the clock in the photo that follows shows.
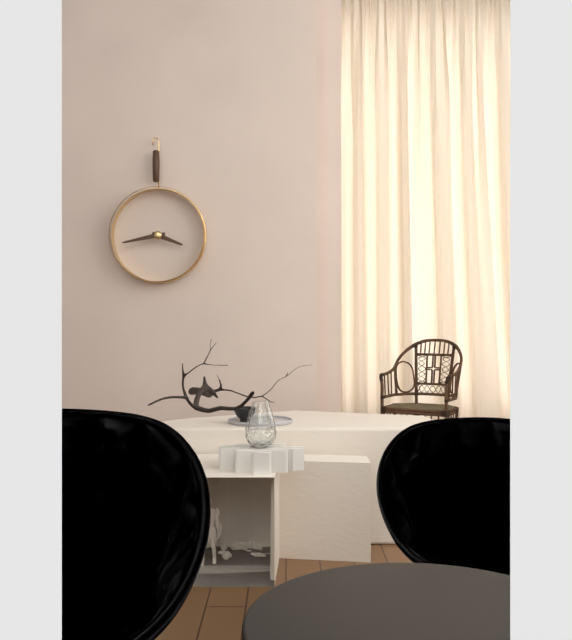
3:43
